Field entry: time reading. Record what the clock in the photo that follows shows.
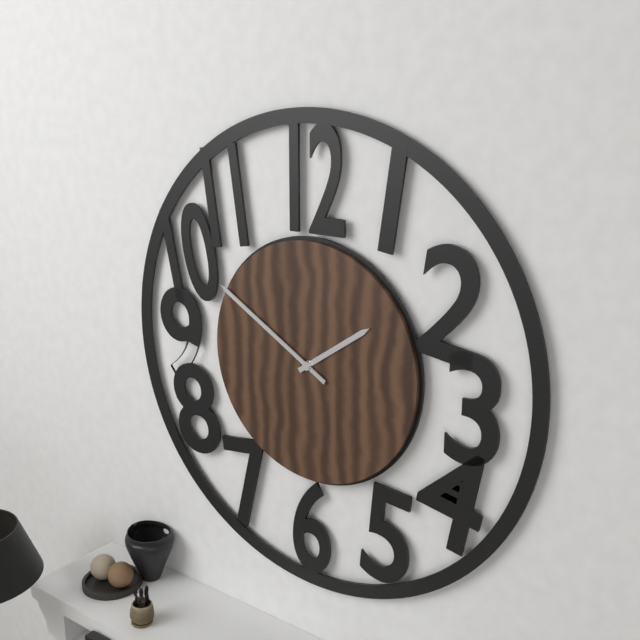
1:50
